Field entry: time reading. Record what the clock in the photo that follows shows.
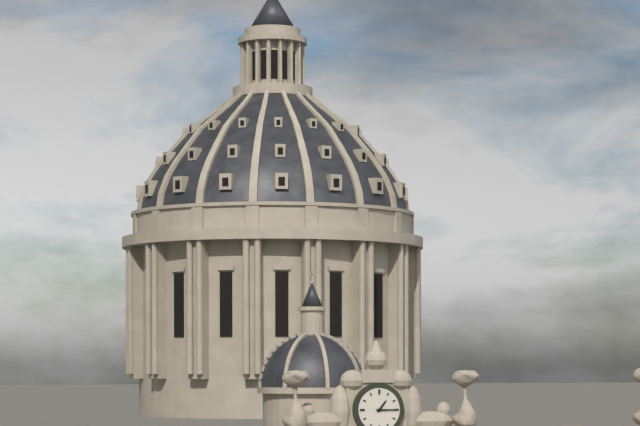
1:15
